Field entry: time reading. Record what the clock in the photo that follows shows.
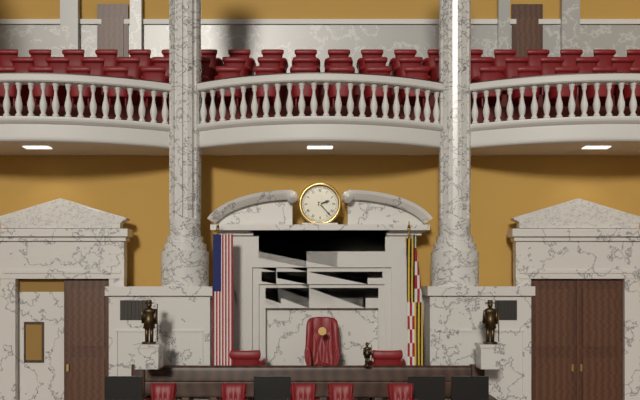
2:23
